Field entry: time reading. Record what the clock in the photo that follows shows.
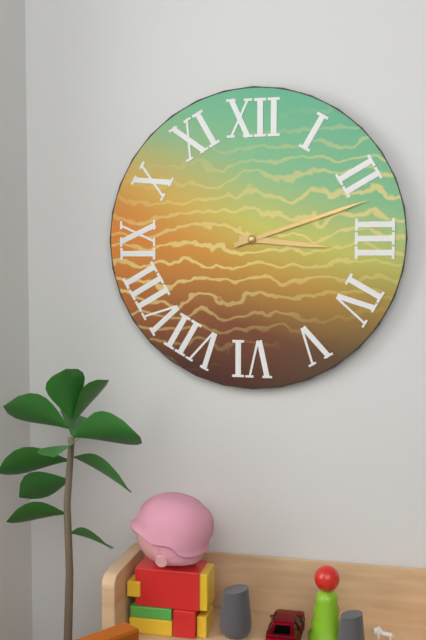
3:12
